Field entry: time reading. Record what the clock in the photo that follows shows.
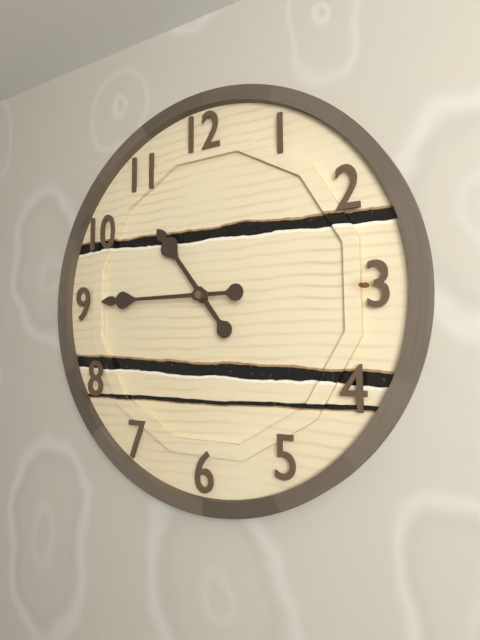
10:45
